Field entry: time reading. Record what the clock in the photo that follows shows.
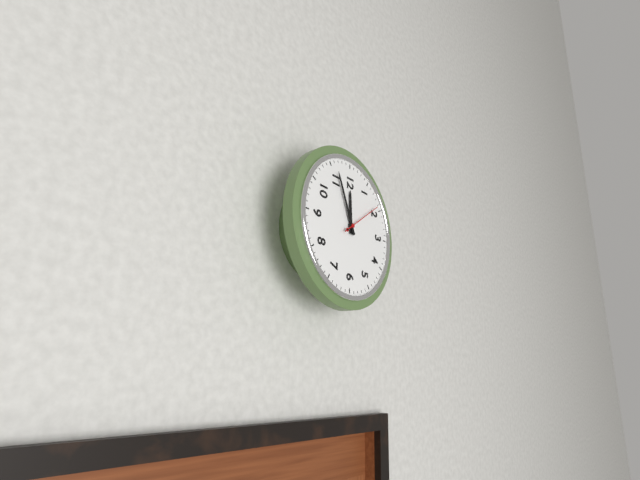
11:56
